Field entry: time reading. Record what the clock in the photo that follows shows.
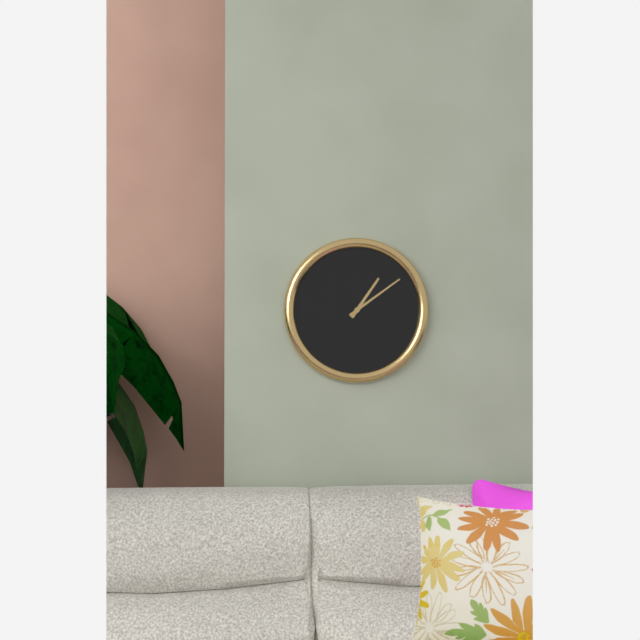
1:09
